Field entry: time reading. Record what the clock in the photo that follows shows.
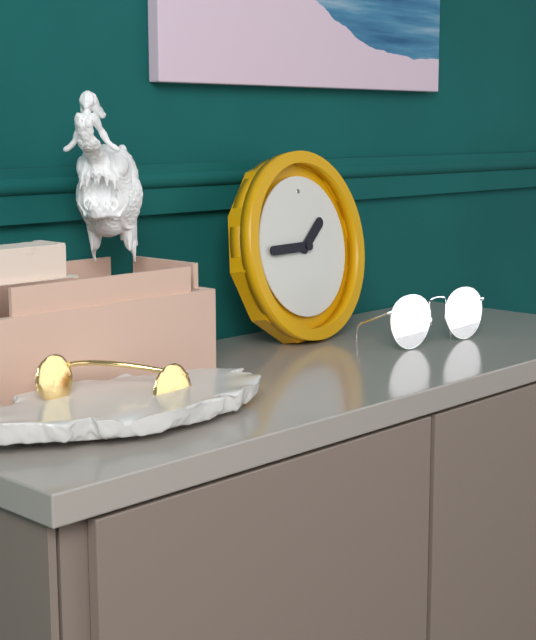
1:45
